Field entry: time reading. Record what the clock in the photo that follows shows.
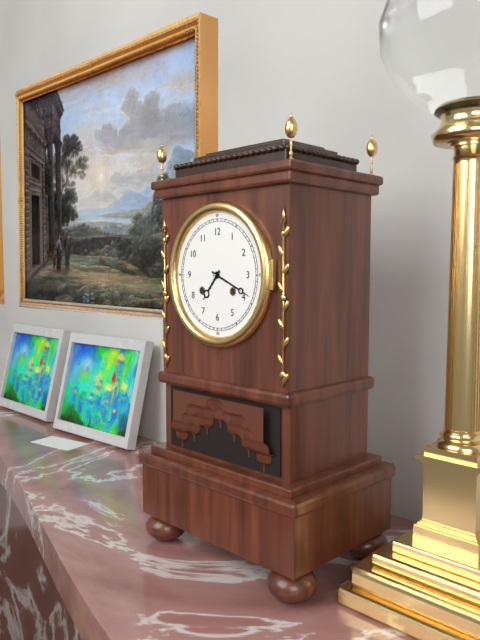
7:19
